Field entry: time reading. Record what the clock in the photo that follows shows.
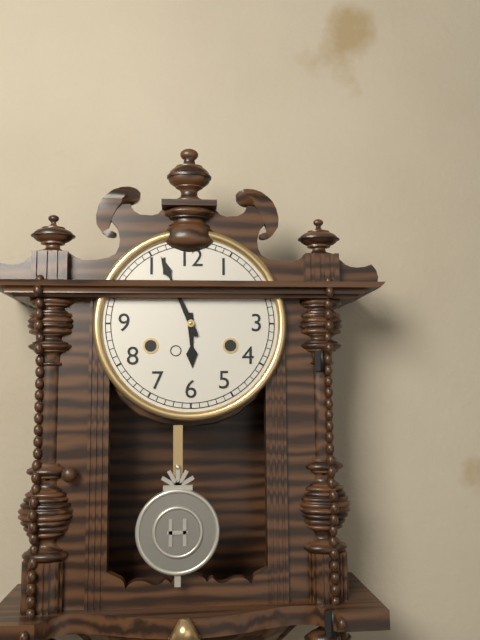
5:56
